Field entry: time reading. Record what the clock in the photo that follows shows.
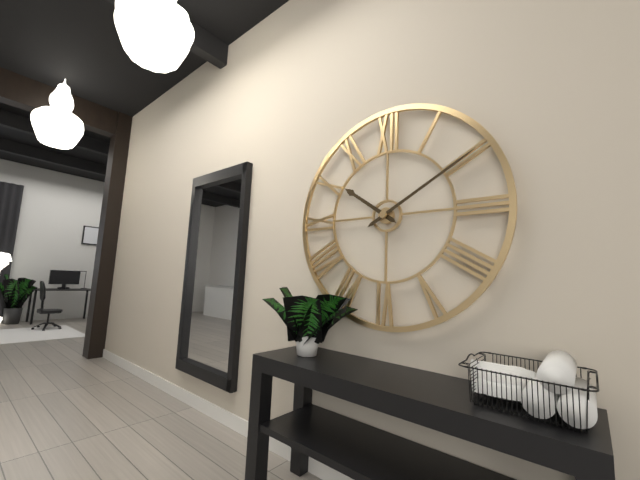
10:10
